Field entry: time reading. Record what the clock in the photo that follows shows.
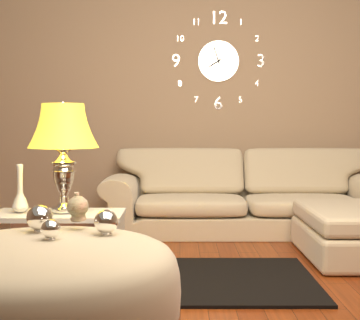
7:57
